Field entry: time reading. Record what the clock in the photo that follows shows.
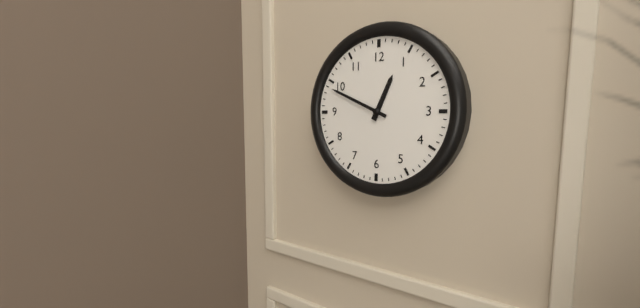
12:49
